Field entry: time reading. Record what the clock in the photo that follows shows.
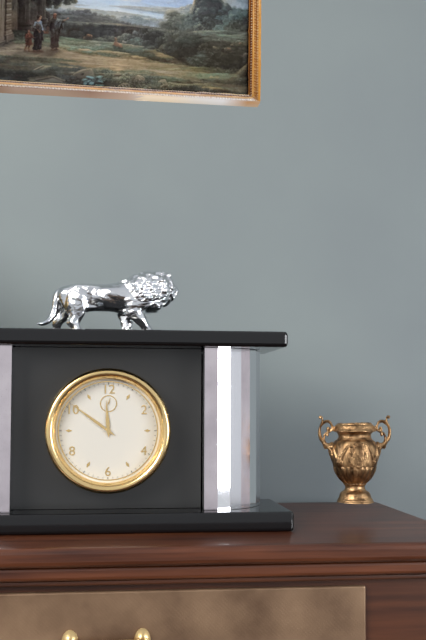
11:51
